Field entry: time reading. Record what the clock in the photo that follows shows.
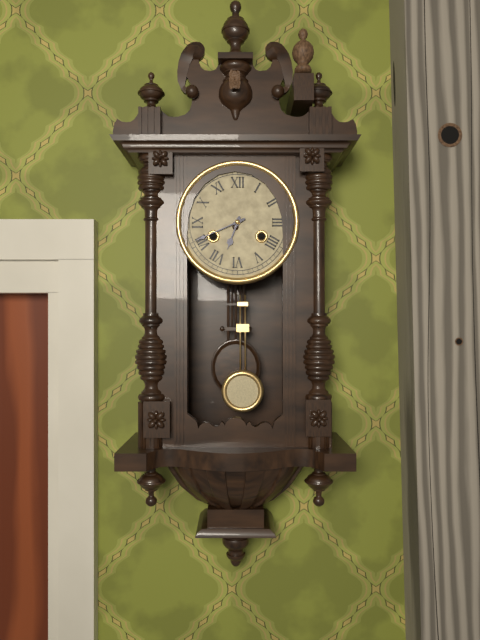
6:41
